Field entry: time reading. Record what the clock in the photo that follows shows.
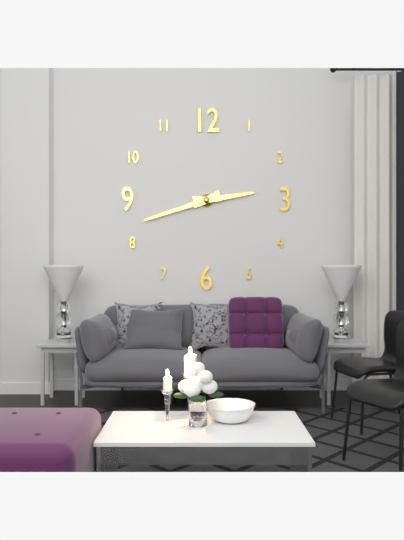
2:42
